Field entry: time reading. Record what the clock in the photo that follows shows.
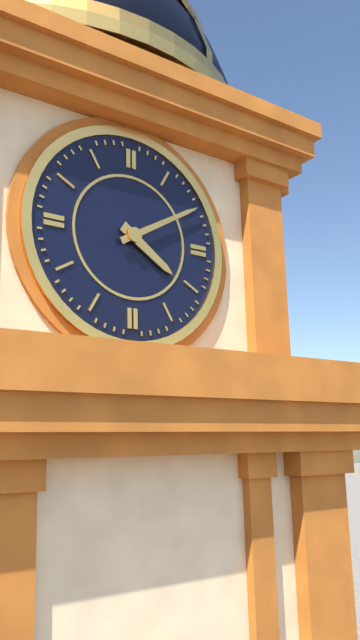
4:10
